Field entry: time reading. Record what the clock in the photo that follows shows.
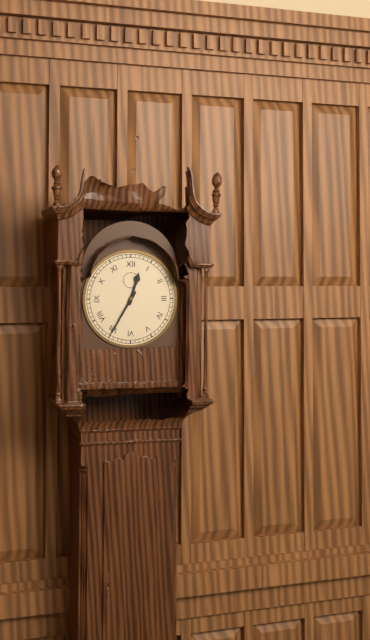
12:35
